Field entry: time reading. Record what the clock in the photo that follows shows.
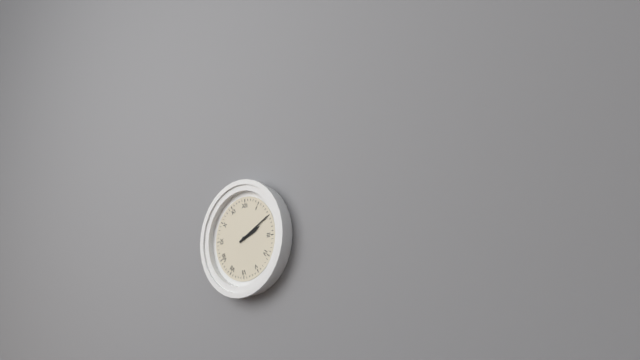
2:10
